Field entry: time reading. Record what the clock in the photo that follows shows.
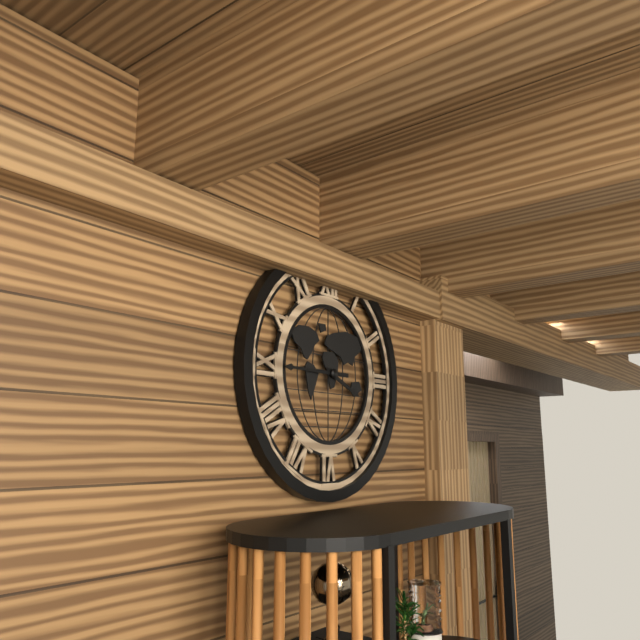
3:45
